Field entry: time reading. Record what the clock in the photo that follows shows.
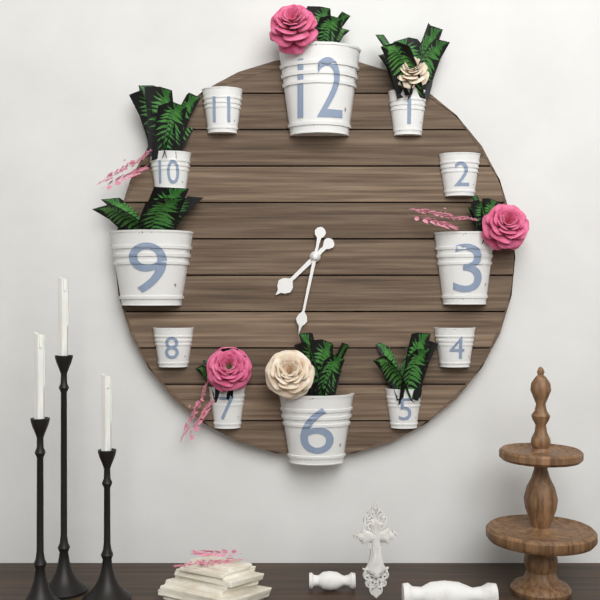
7:32
